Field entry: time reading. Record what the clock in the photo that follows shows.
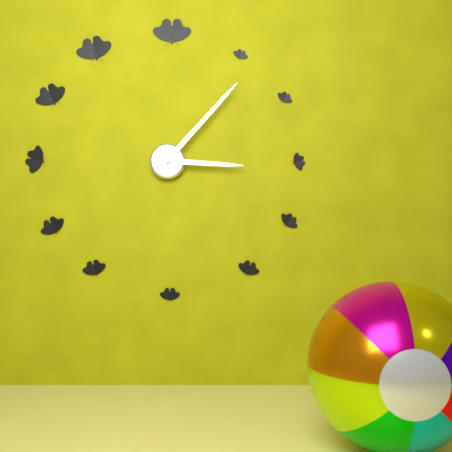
3:07
